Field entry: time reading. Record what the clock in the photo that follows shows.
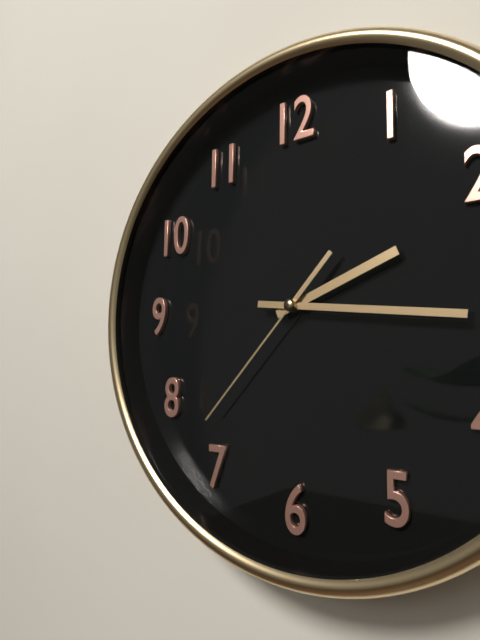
2:16:37
